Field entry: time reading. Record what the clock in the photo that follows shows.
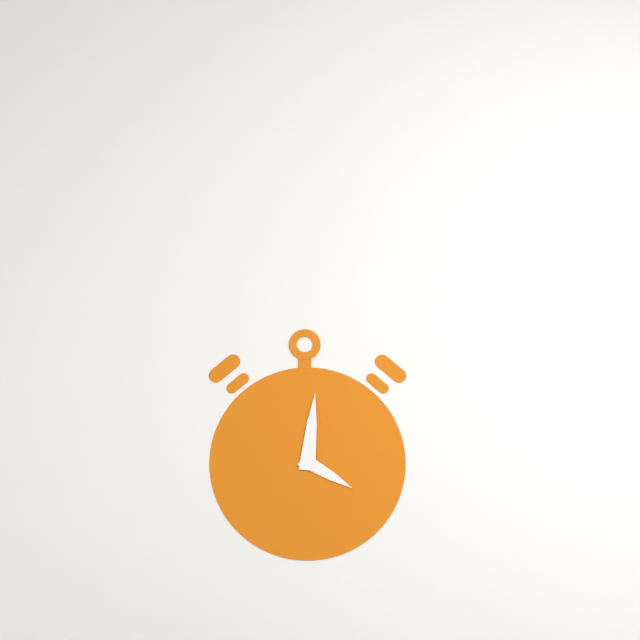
4:01
